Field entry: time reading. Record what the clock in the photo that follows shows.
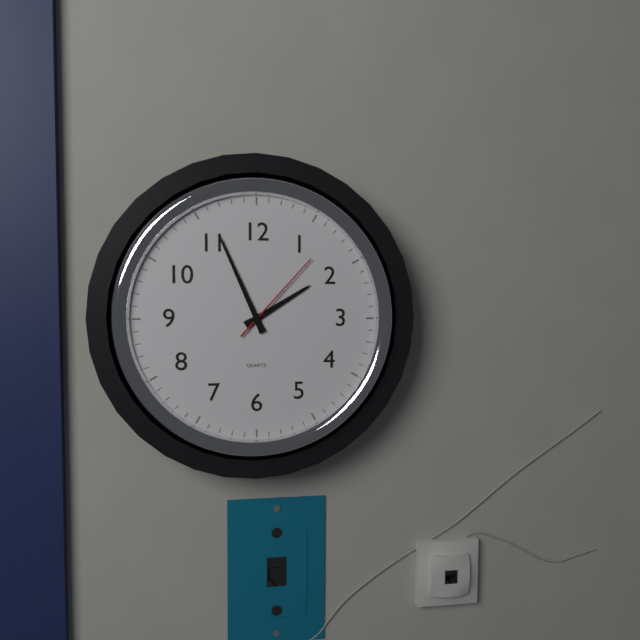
1:56:07
